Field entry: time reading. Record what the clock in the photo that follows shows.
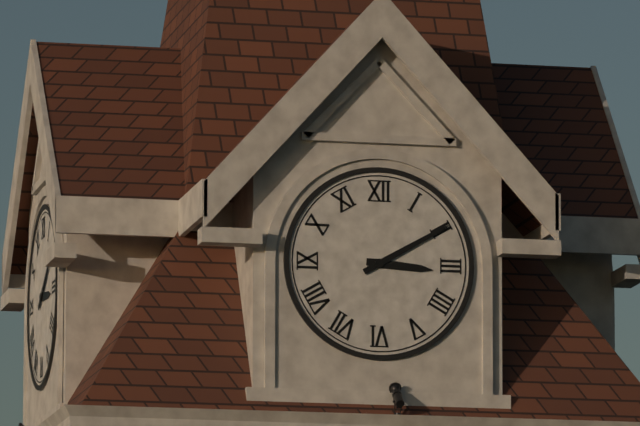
3:10
